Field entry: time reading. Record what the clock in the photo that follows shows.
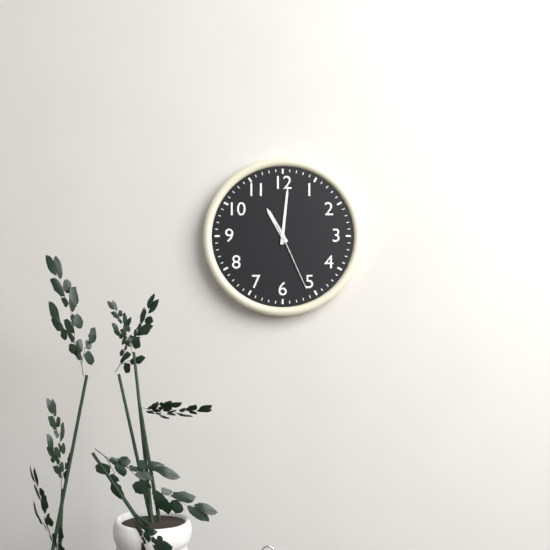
11:01:26
